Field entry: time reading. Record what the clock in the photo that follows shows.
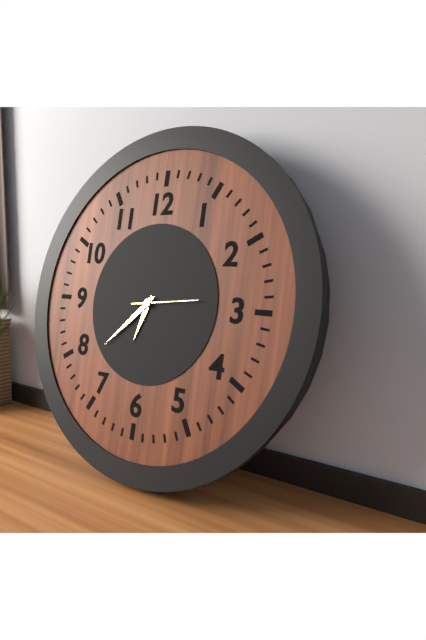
6:38:14
